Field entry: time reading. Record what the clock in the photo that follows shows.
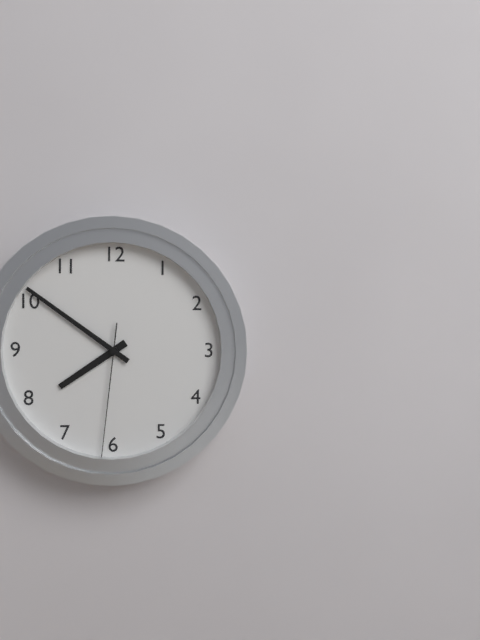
7:51:31
